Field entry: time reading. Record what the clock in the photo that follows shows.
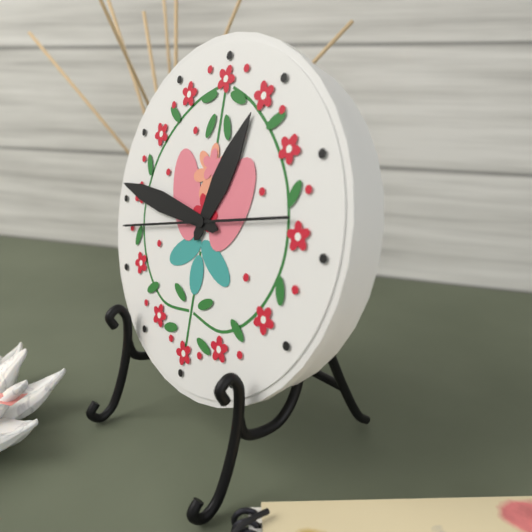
12:46:43
